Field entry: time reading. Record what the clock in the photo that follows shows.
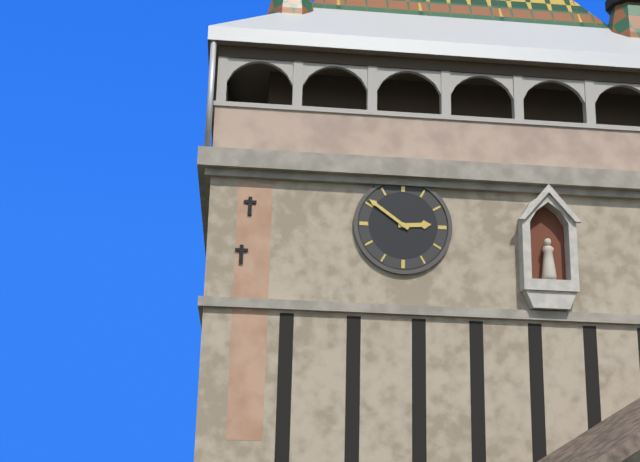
2:51
